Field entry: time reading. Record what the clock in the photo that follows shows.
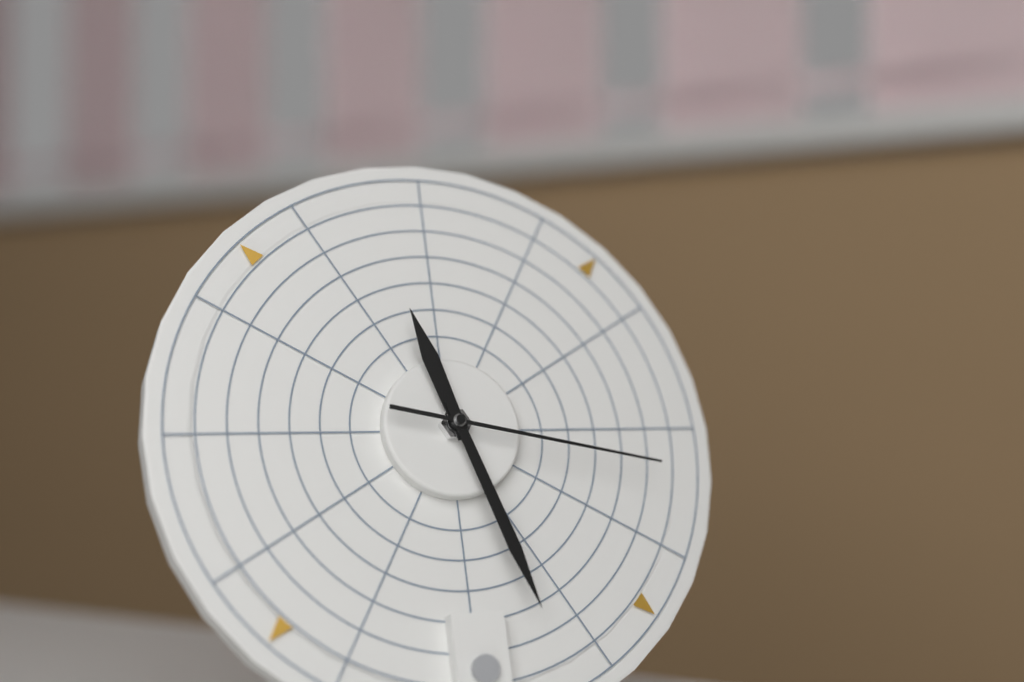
11:27:17
